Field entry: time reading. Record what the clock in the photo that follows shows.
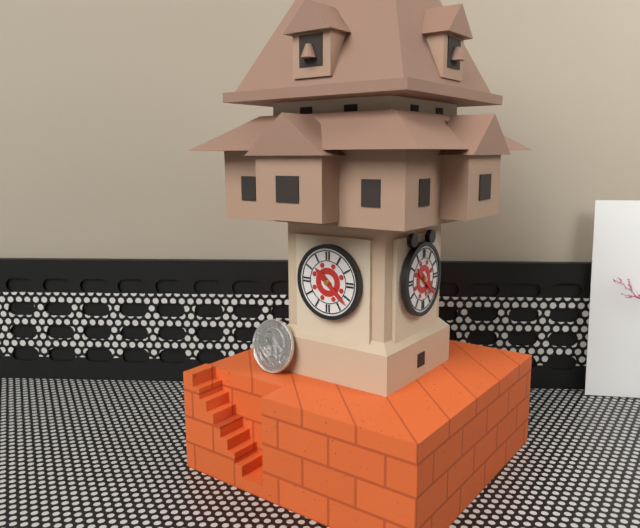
10:22
